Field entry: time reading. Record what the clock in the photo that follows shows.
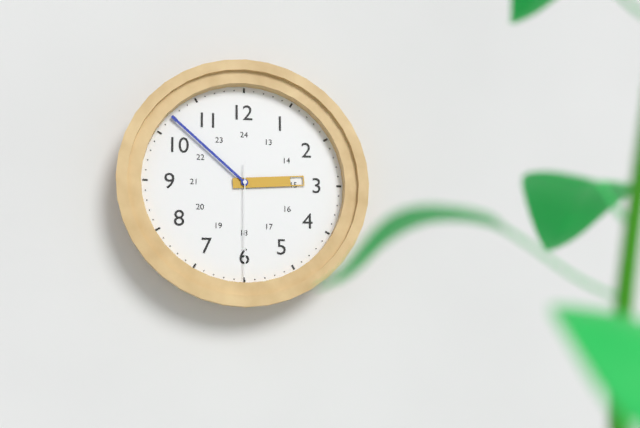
2:52:30
